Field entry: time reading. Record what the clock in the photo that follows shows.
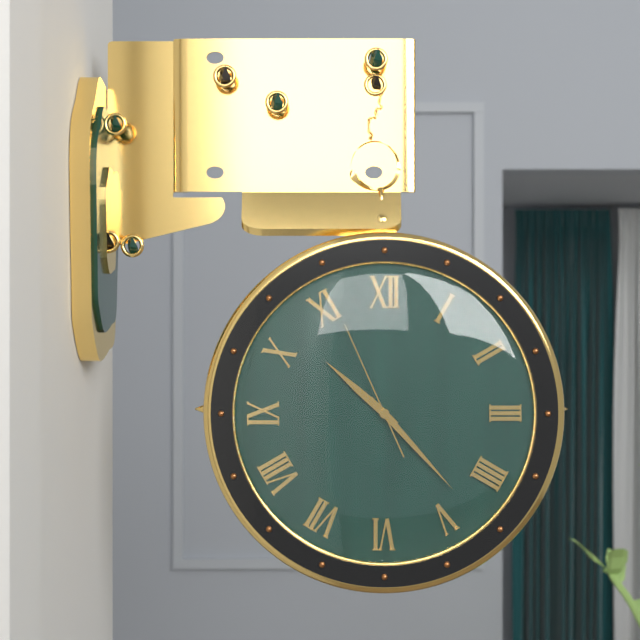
10:23:56
